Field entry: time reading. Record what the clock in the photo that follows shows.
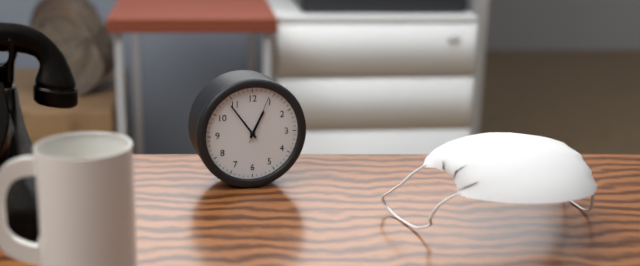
12:54:04
